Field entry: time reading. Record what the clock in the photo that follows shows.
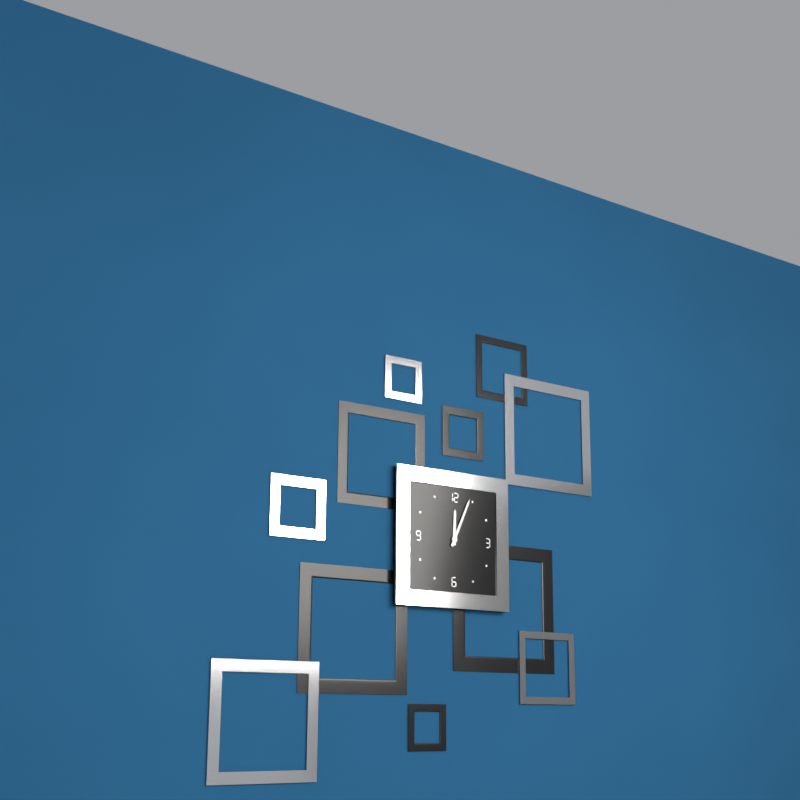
12:04
